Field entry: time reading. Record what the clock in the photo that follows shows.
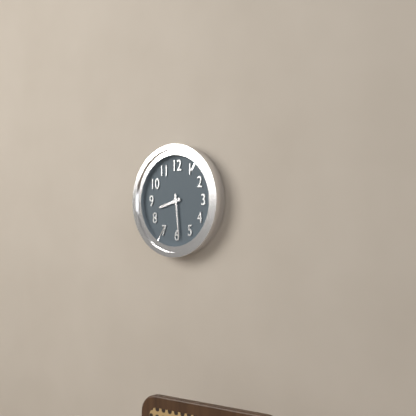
8:29
